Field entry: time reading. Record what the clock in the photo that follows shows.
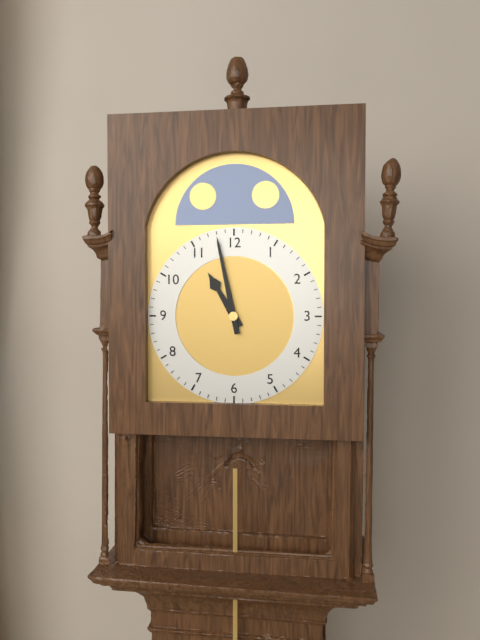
10:58
